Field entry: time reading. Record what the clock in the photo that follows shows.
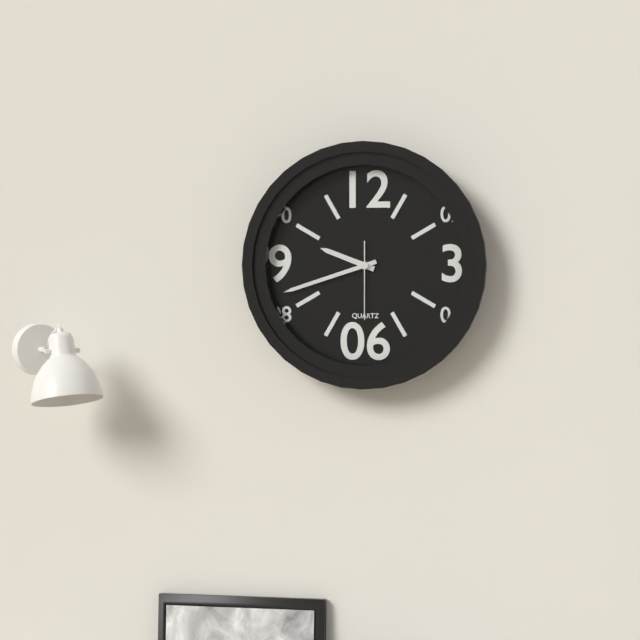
9:42:30
